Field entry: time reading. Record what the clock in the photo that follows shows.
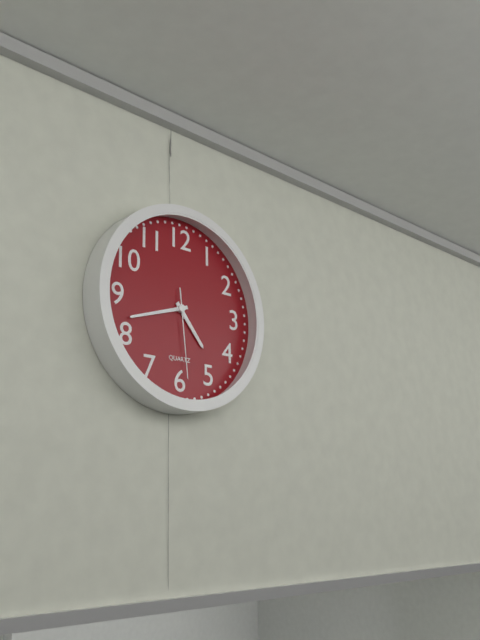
4:42:29
